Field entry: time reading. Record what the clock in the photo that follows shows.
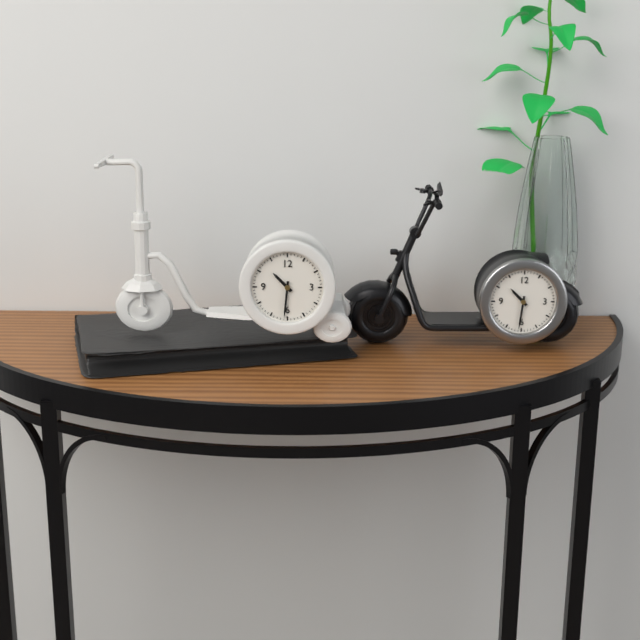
10:31
